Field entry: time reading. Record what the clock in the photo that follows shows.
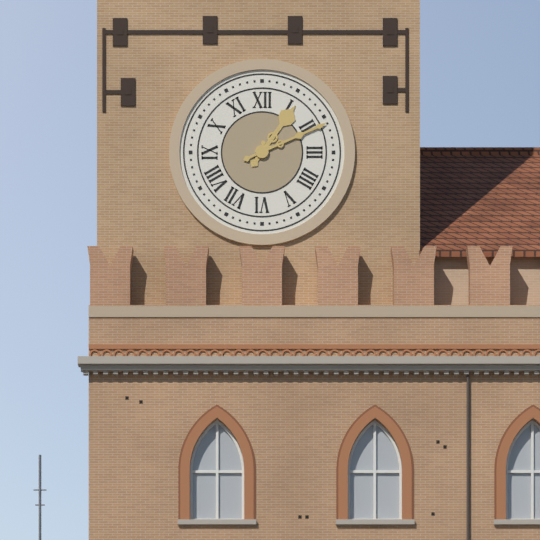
1:11
